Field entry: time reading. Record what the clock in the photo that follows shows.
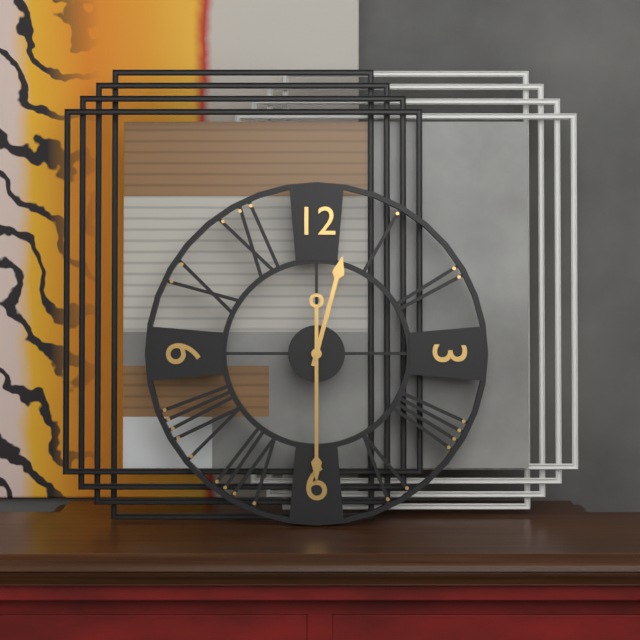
12:30
